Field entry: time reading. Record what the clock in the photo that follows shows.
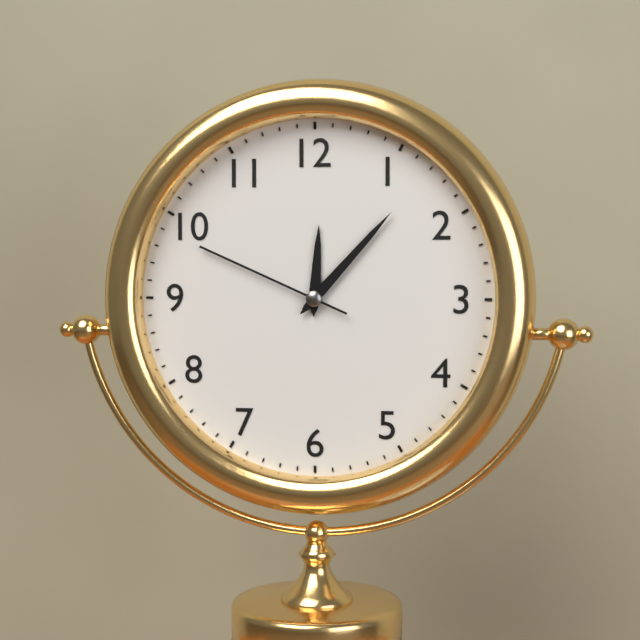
12:07:49
